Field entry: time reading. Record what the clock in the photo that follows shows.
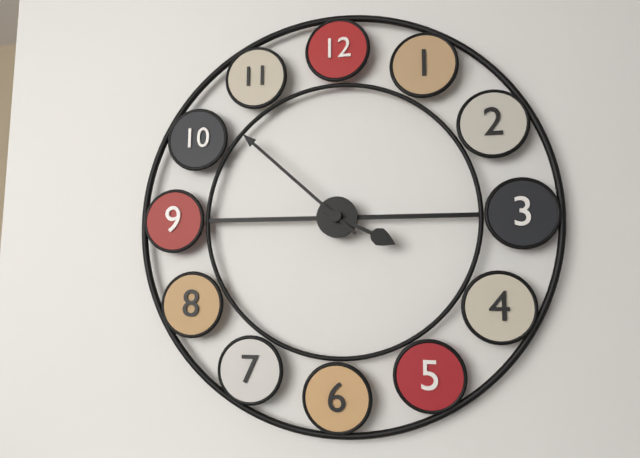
3:52
